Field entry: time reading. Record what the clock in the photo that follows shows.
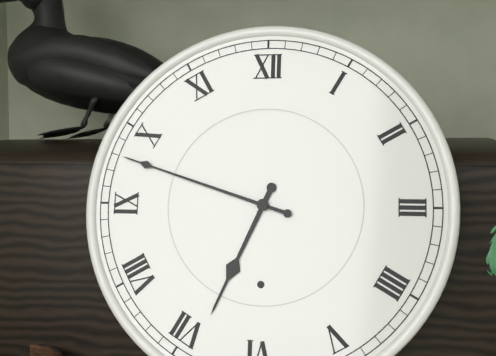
6:48
